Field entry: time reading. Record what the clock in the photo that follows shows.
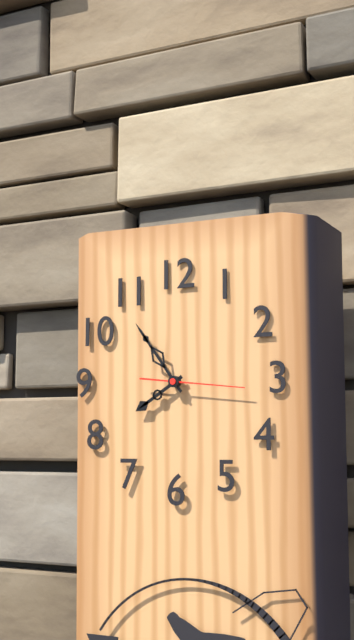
7:54:16
